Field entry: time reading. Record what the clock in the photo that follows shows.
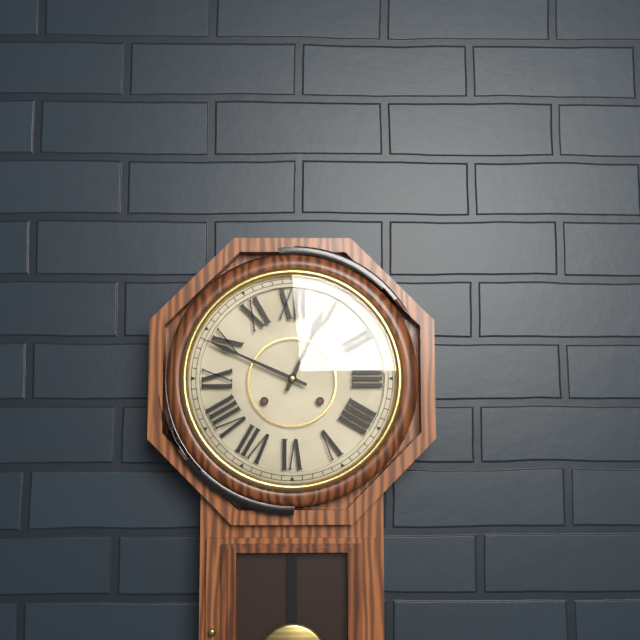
12:49
